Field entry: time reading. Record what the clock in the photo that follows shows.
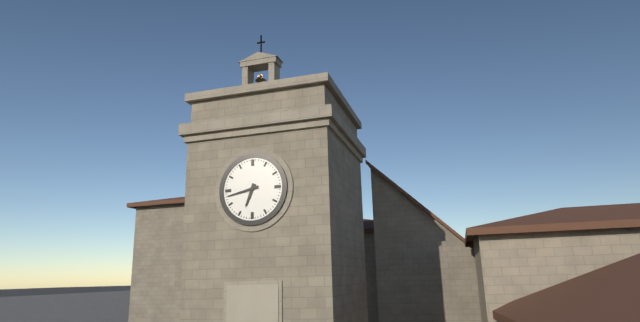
6:43
